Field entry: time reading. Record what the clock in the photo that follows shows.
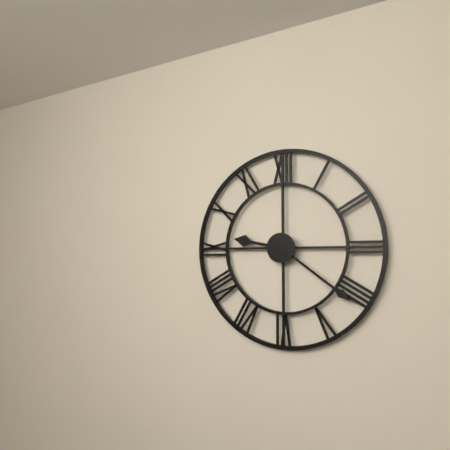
9:21
